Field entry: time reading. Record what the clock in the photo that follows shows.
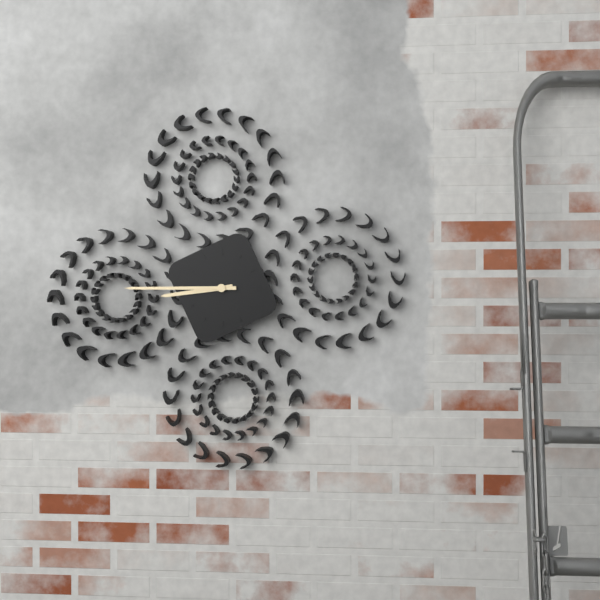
8:45
